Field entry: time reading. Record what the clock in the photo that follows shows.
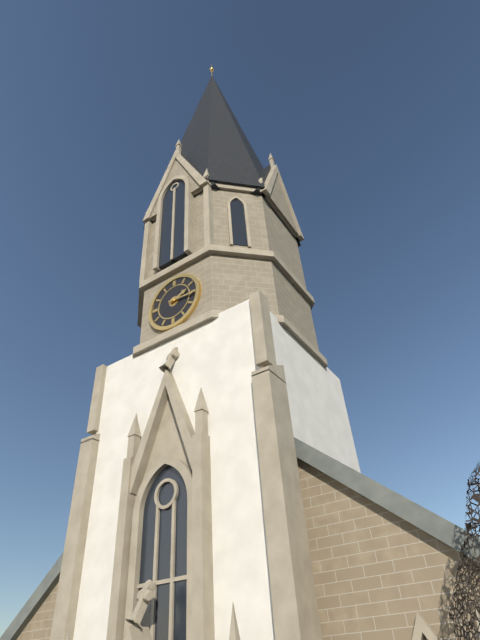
2:16
